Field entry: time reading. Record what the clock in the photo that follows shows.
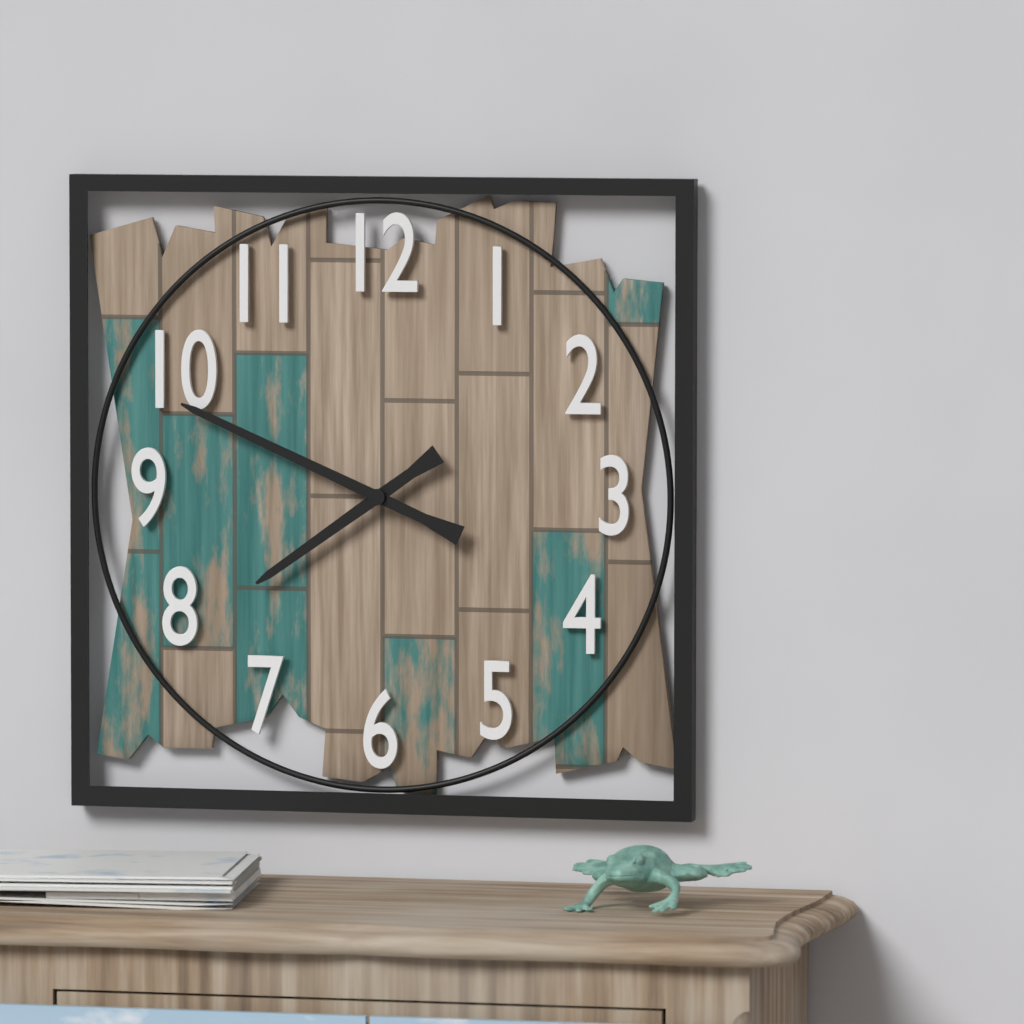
7:49
